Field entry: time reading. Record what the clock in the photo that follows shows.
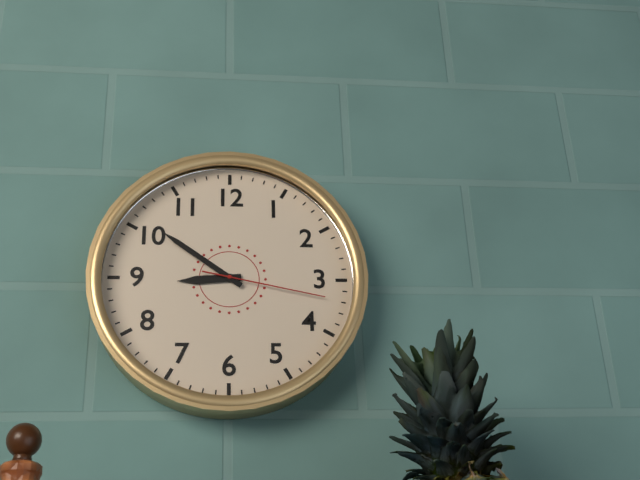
8:51:17
